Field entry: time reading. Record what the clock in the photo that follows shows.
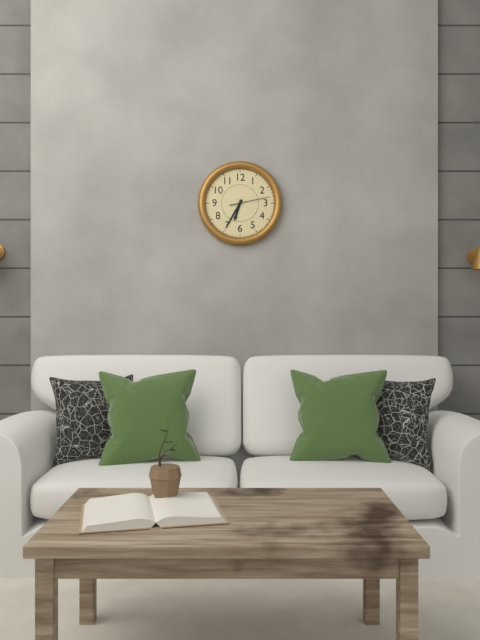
6:35
